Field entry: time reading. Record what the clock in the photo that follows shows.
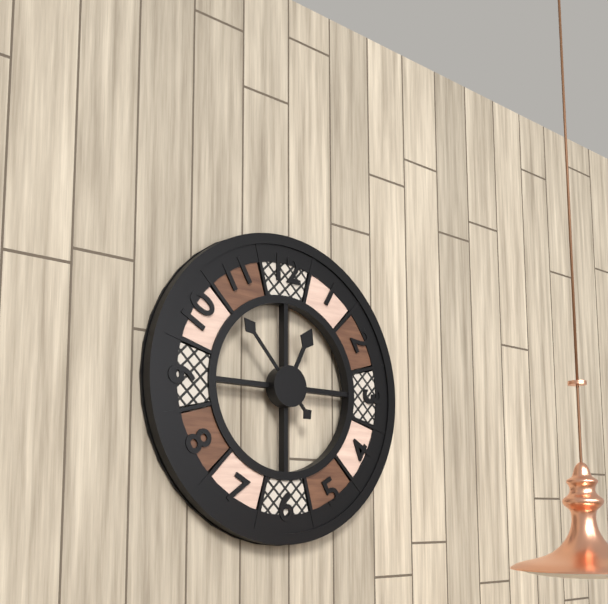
12:53
